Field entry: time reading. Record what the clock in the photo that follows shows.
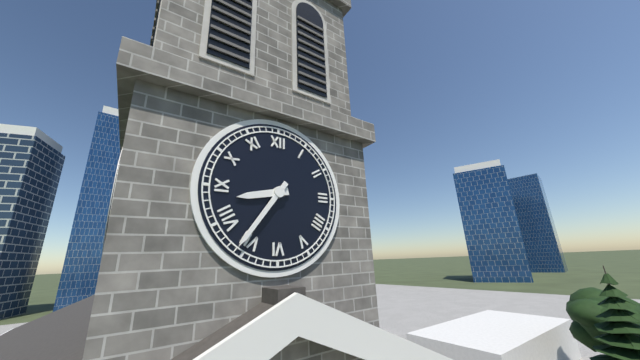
8:36
